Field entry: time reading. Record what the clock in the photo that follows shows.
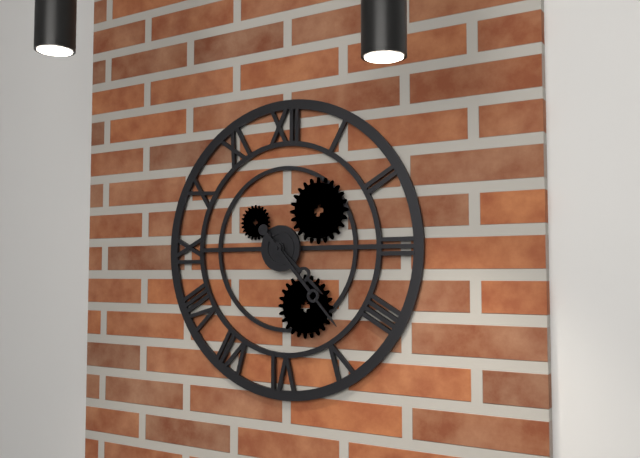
4:23
